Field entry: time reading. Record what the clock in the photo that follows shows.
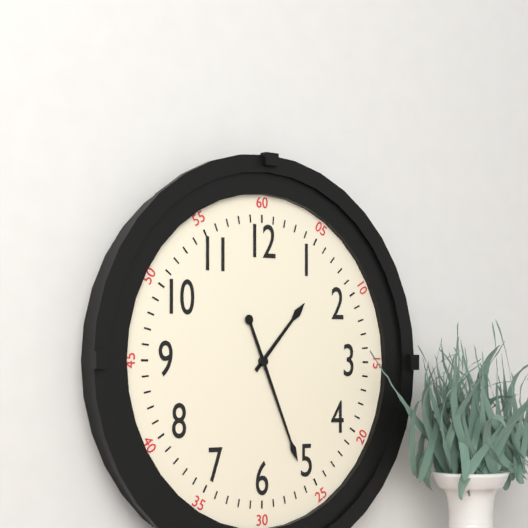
1:26
